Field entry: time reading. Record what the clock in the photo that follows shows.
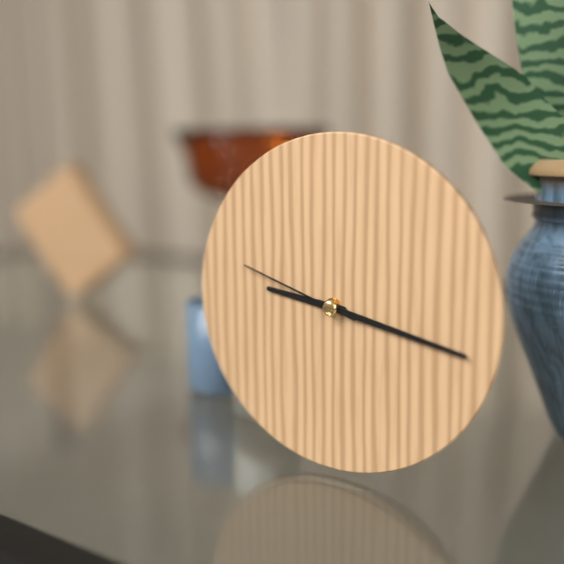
9:17:48
